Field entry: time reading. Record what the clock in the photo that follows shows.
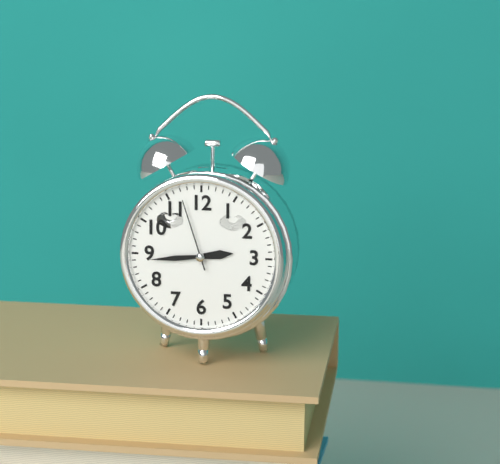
2:44:57
